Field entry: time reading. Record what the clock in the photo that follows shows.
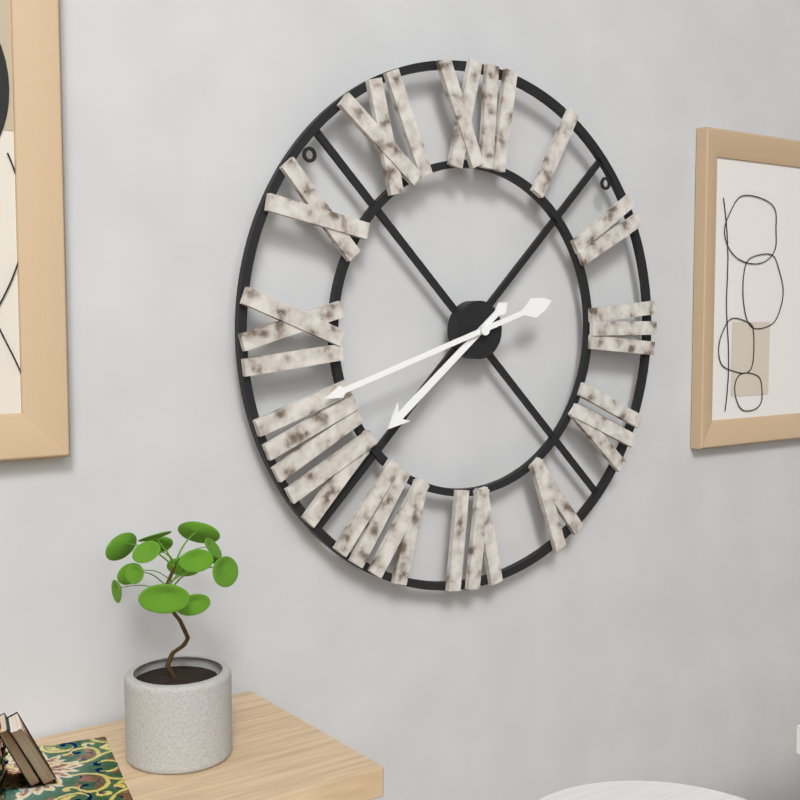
7:42
